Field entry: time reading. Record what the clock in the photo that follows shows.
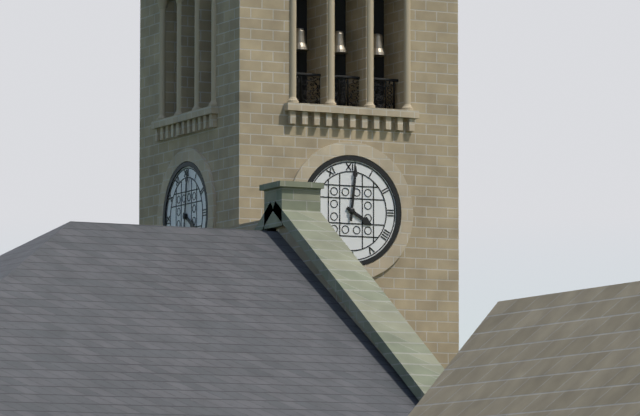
4:01
